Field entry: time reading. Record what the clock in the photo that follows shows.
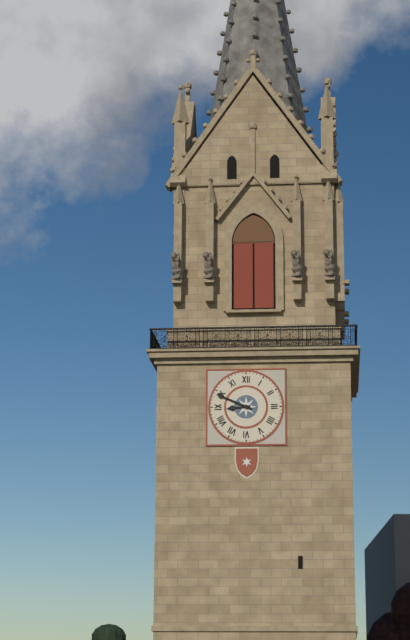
8:49
